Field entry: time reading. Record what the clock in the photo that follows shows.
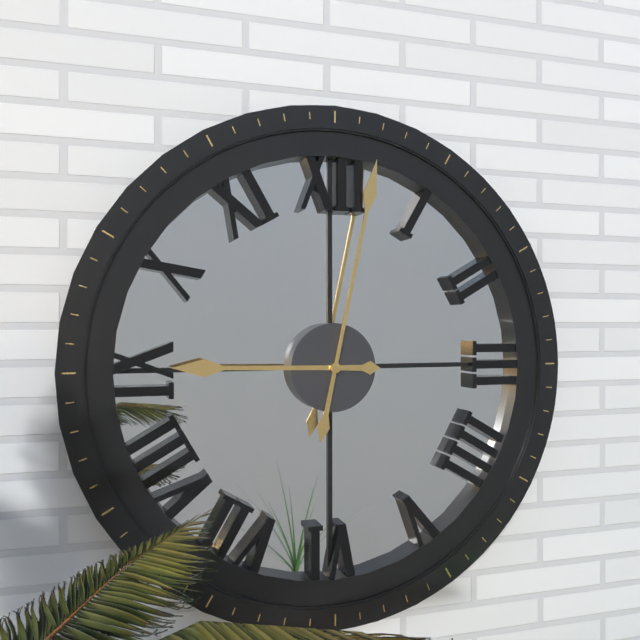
9:02
